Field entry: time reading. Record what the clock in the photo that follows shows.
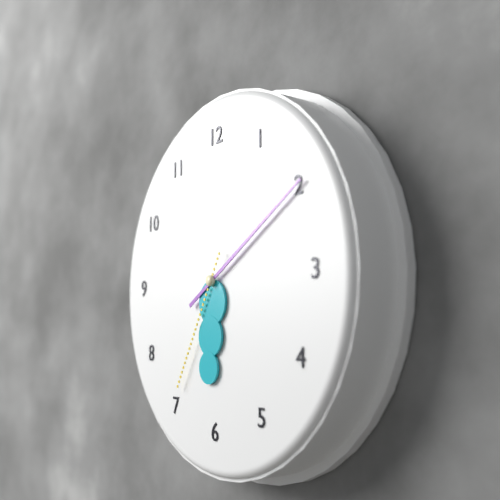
6:10:35
